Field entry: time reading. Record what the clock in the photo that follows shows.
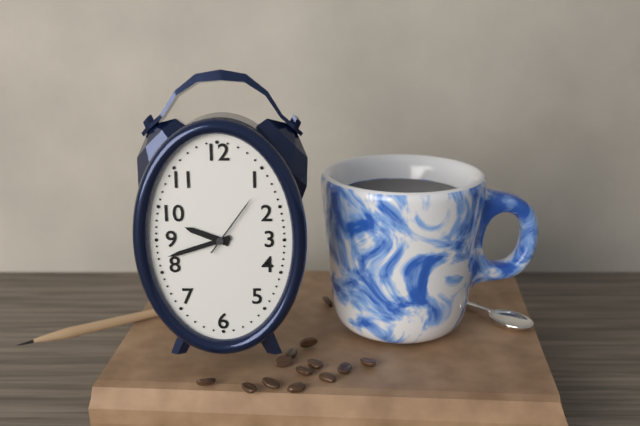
9:42:06
